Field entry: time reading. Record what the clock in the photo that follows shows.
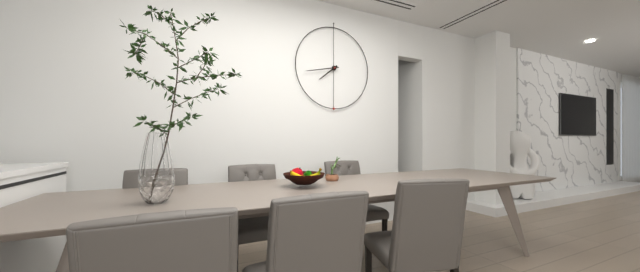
7:43
